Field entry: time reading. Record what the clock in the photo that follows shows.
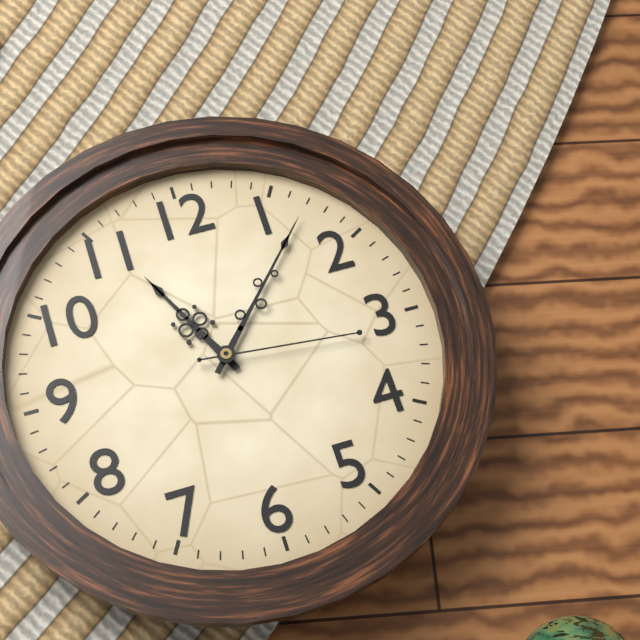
11:07:16
